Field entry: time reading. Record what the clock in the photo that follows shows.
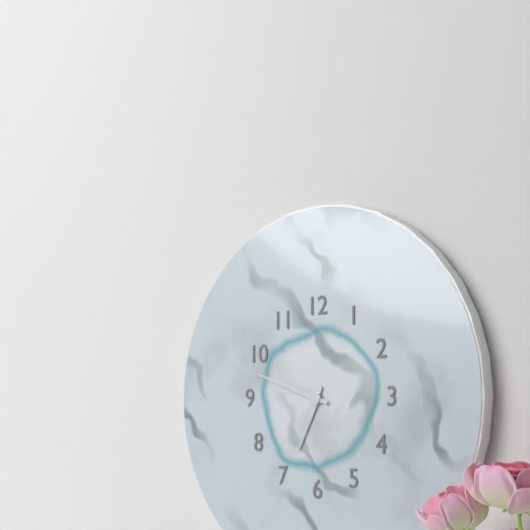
6:48
